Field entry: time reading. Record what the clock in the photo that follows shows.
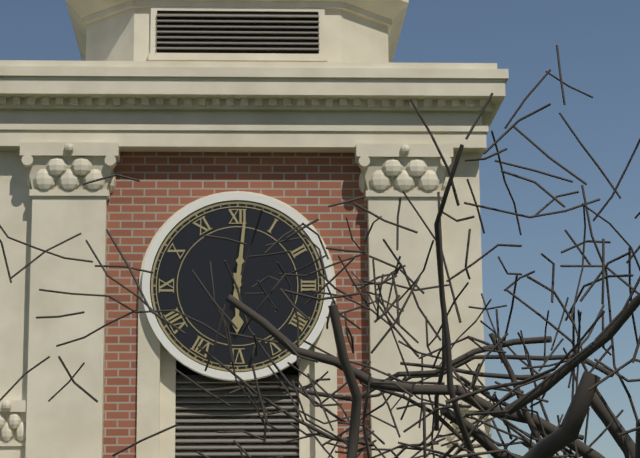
6:01
